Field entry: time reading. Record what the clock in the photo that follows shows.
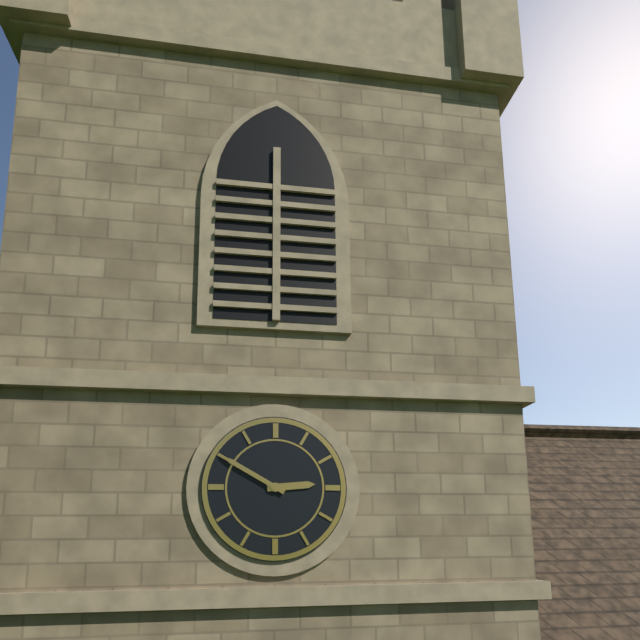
2:50
